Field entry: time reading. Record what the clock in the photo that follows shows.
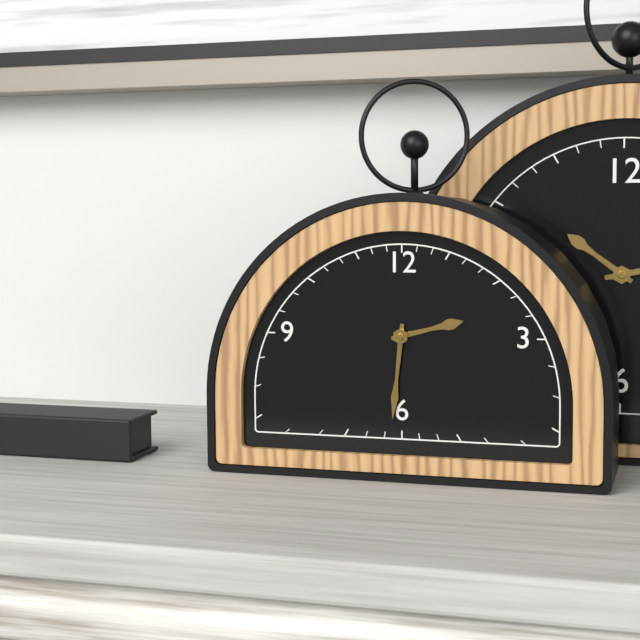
2:31
